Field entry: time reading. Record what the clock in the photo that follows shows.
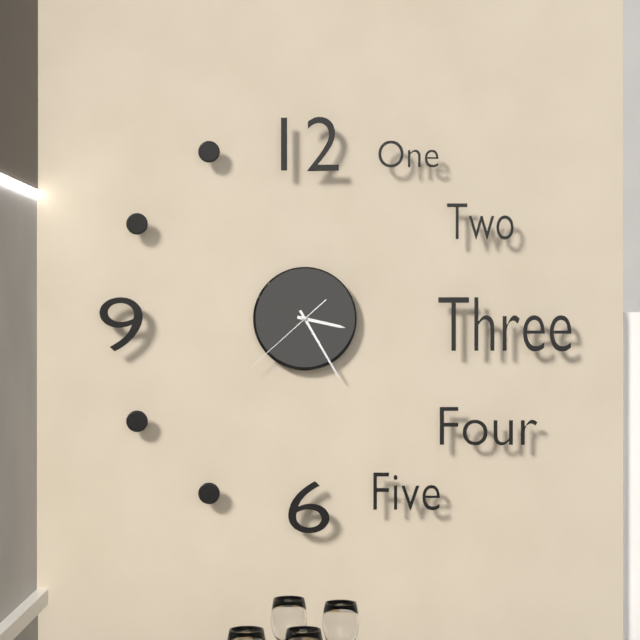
3:25:38
